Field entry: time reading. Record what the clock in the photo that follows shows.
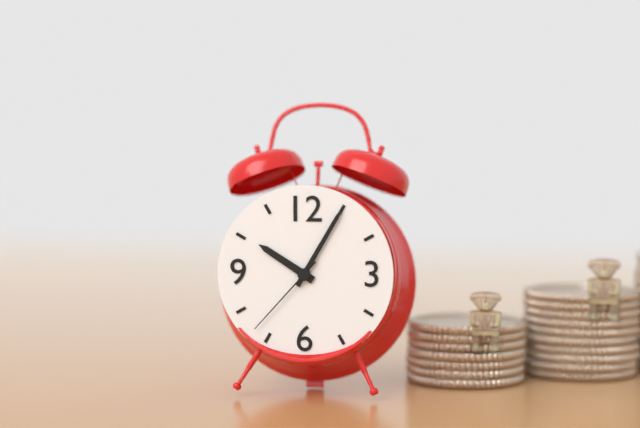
10:05:37
